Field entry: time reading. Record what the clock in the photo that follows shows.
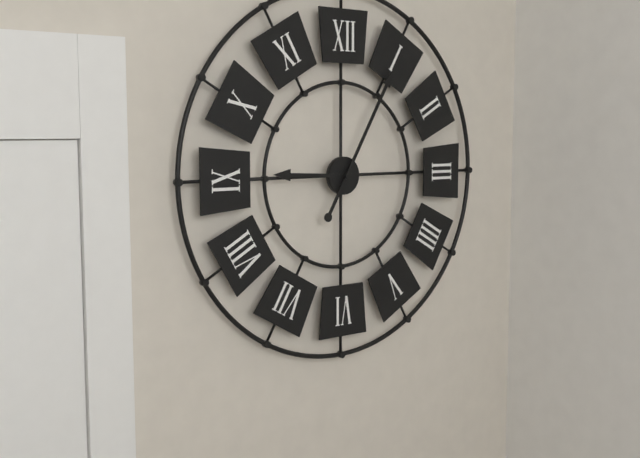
9:05
